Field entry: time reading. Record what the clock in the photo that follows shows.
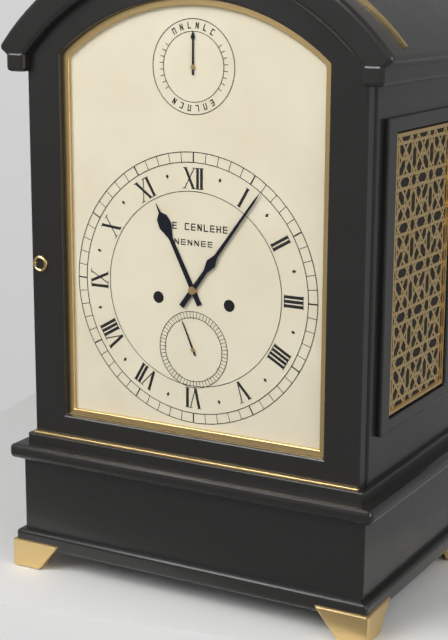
11:06
